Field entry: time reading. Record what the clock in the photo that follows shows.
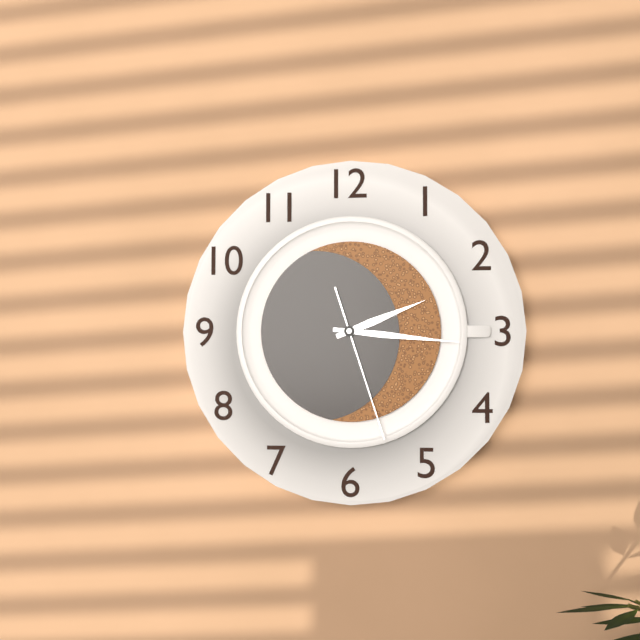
2:16:27
